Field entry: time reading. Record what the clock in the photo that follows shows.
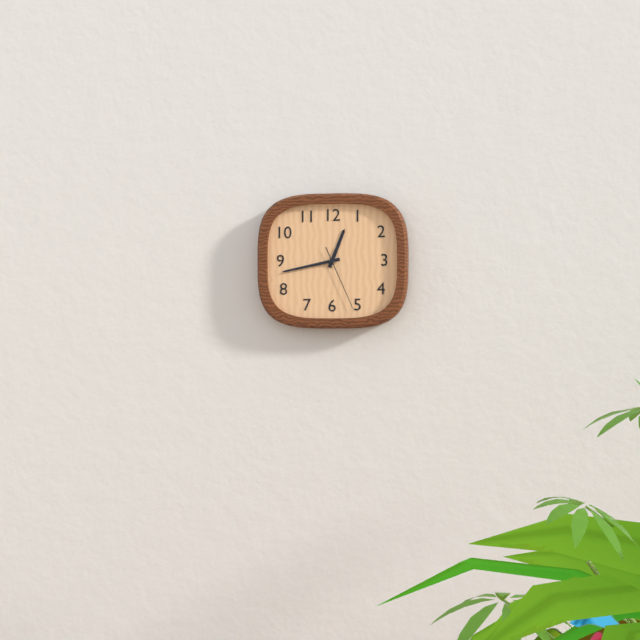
12:43:26
